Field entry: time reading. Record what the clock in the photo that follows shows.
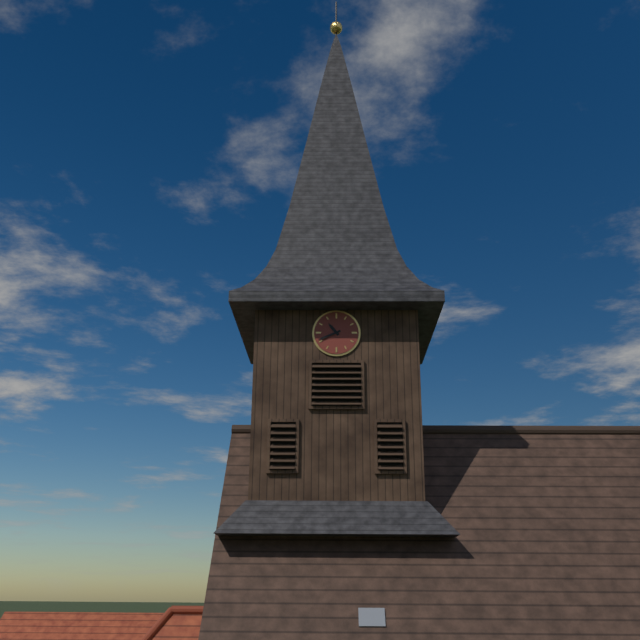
10:41
